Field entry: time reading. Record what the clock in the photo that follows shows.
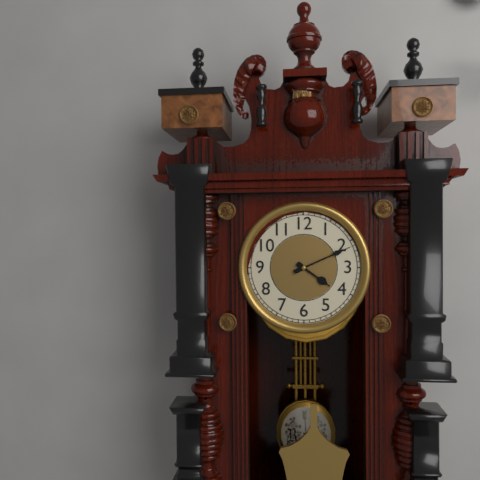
4:11
